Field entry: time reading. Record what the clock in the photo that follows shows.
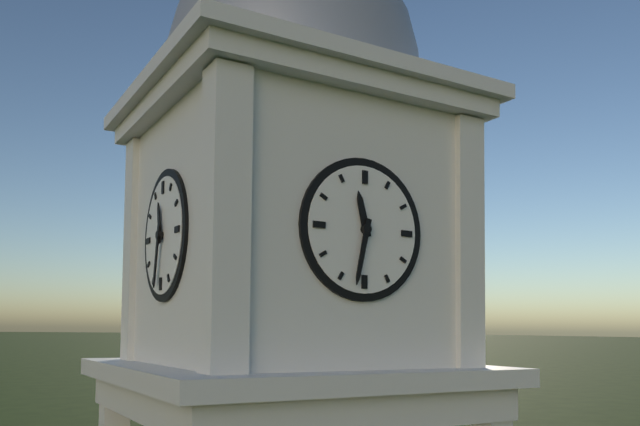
11:32
